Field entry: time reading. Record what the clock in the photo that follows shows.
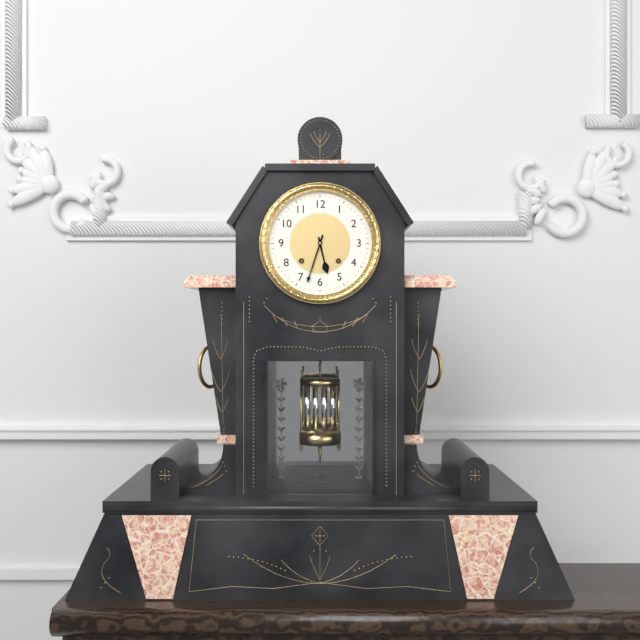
5:33
